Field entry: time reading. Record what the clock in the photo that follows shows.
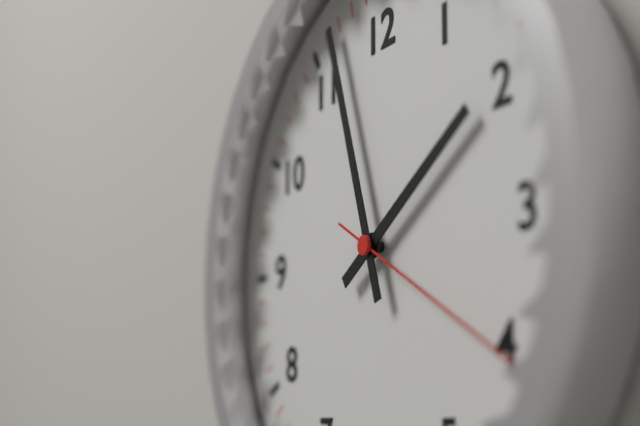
1:57:20
